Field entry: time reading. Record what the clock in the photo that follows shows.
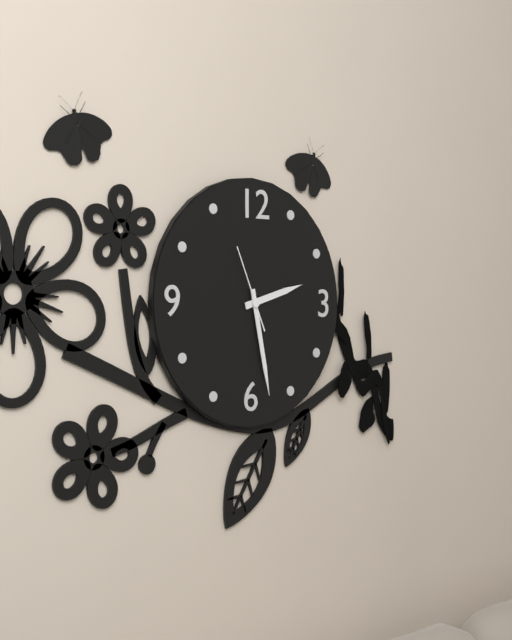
2:28:56
